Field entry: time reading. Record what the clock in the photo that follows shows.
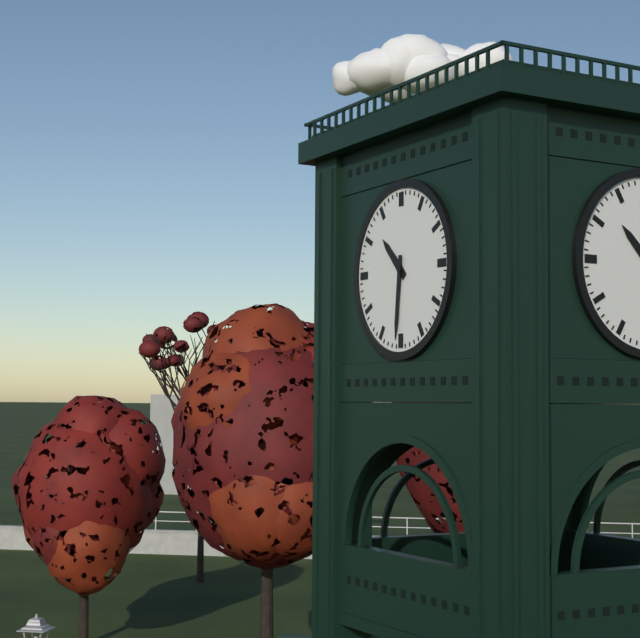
10:31
